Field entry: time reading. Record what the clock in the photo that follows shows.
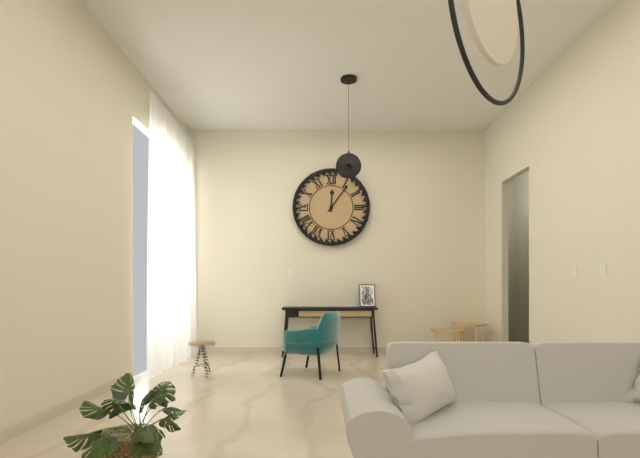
12:06
